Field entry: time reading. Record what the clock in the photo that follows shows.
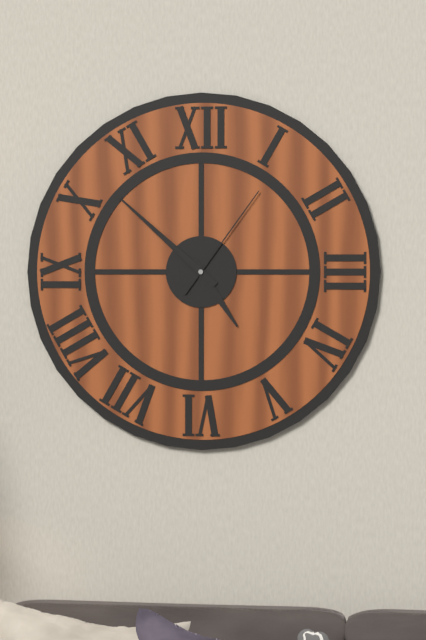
4:52:06
